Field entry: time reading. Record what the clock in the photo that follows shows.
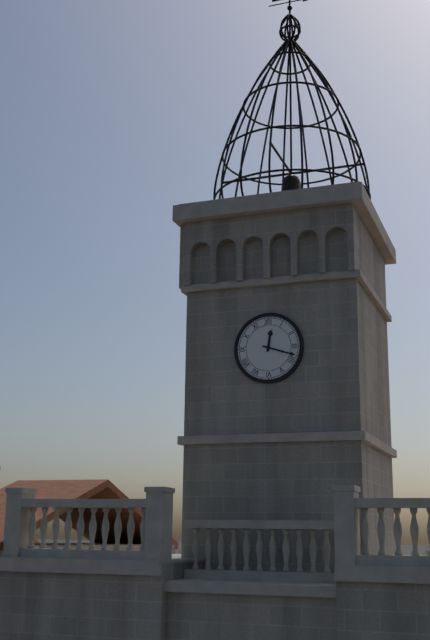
12:18
